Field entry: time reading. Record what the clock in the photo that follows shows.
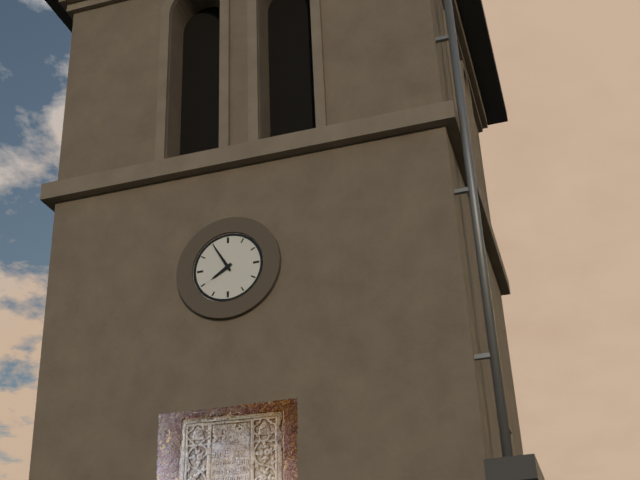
7:55
